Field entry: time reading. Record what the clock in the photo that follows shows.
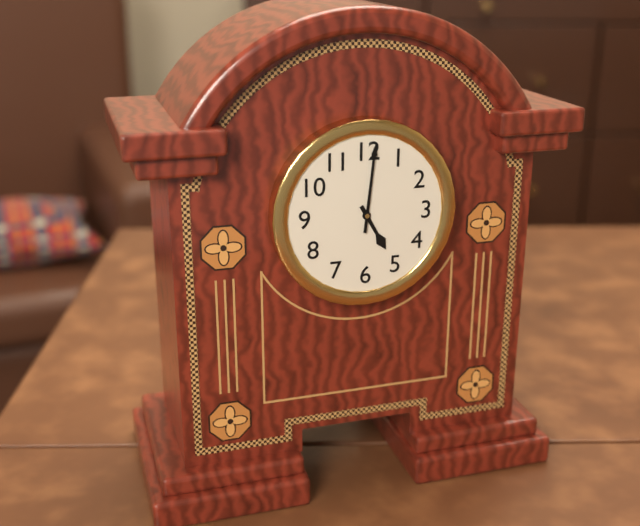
5:01
